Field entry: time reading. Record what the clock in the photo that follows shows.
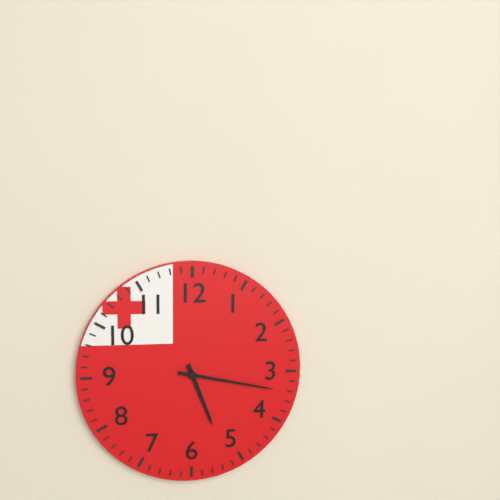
5:17
